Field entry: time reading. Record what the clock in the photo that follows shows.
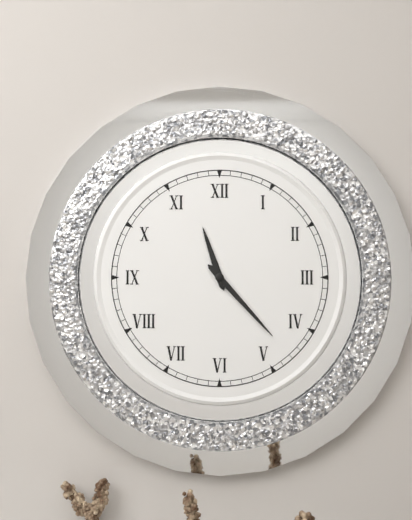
11:23
